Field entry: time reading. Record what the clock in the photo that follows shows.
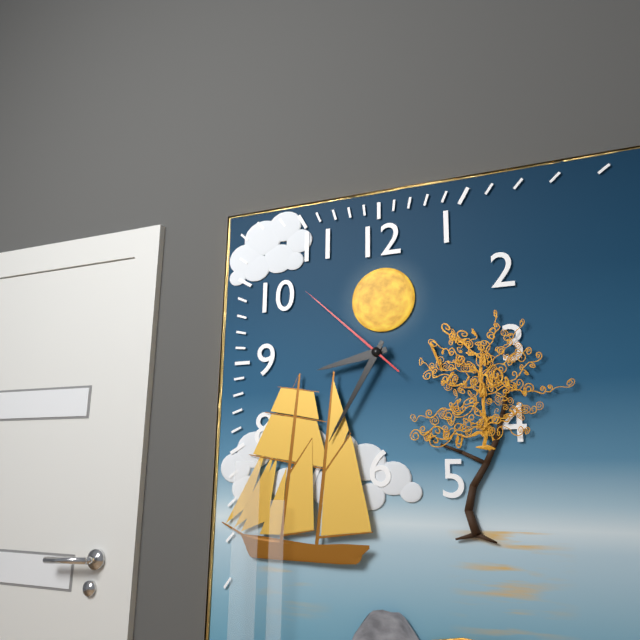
8:35:52
